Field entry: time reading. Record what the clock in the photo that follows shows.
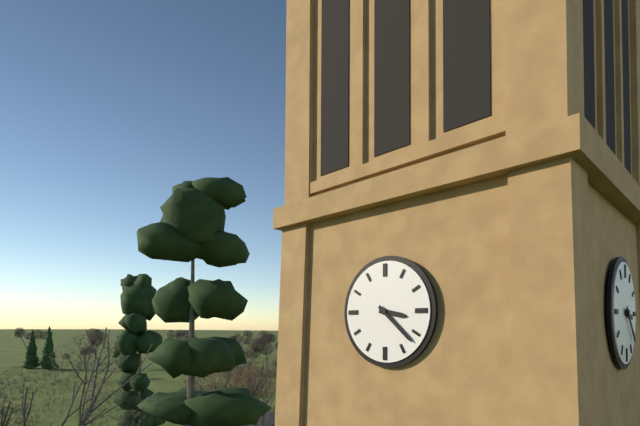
3:22
